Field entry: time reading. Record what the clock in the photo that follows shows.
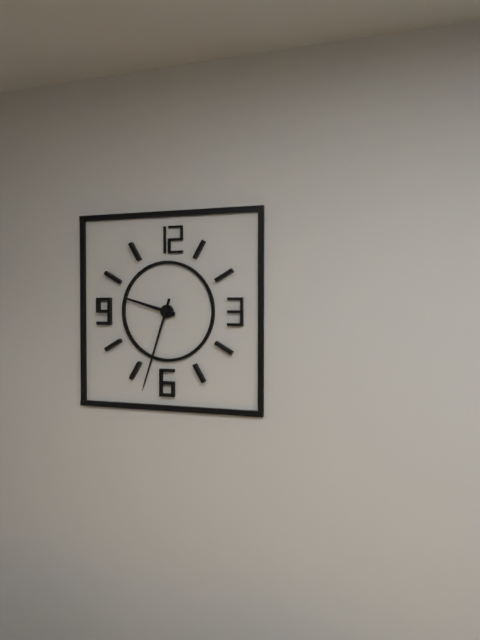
9:33
